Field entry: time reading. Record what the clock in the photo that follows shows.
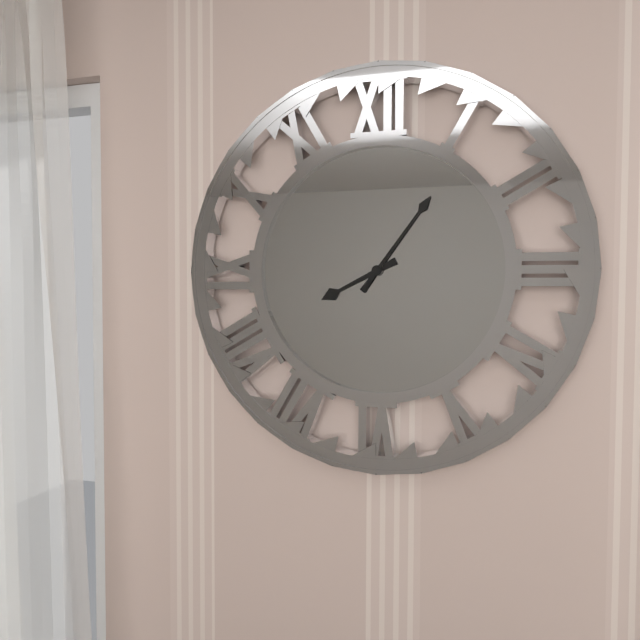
8:06
